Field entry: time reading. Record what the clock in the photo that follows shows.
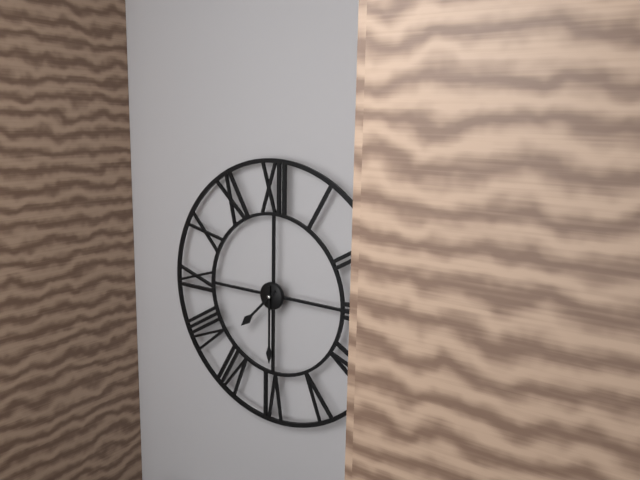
7:30
